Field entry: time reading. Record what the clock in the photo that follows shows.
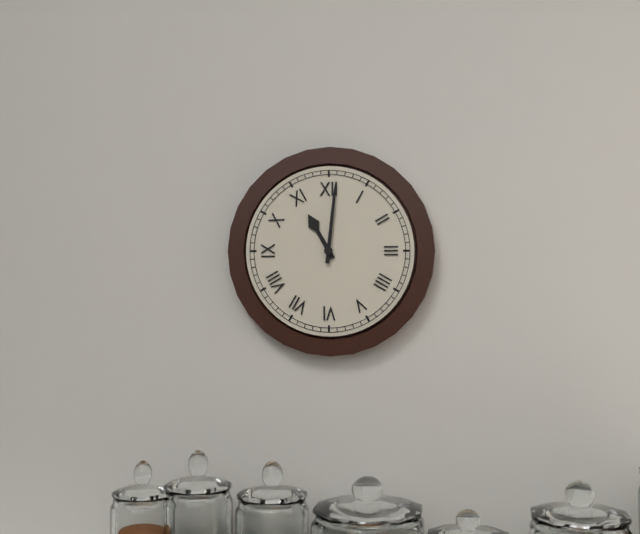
11:01
